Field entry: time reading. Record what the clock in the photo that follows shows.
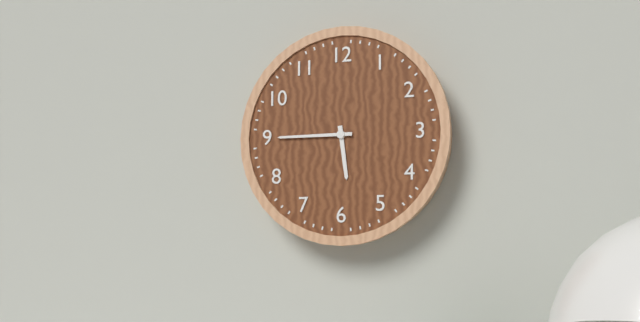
5:45
